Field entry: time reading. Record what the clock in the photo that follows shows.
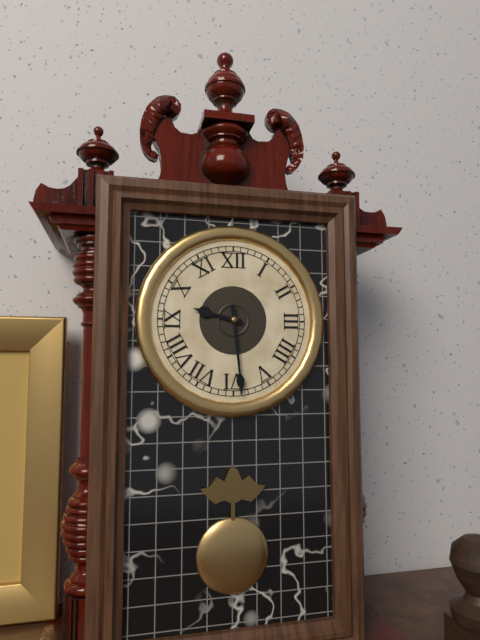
9:29
